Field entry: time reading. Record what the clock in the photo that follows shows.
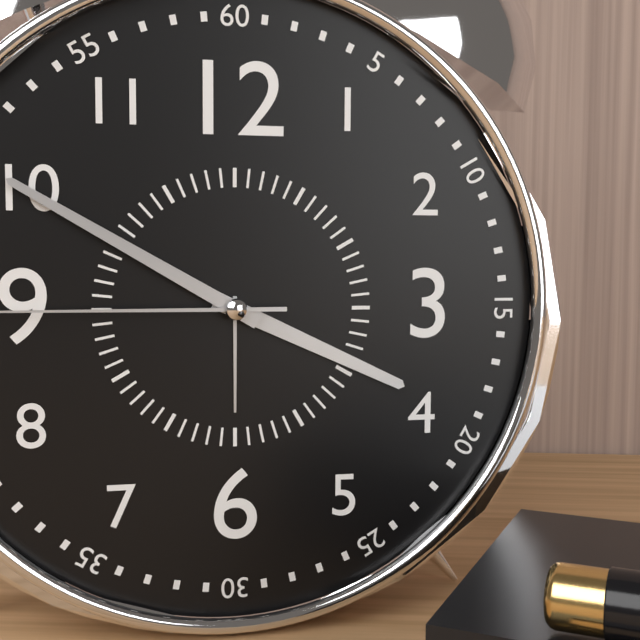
3:50
